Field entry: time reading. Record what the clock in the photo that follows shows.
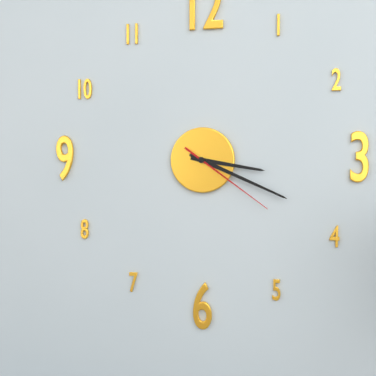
3:19:21
